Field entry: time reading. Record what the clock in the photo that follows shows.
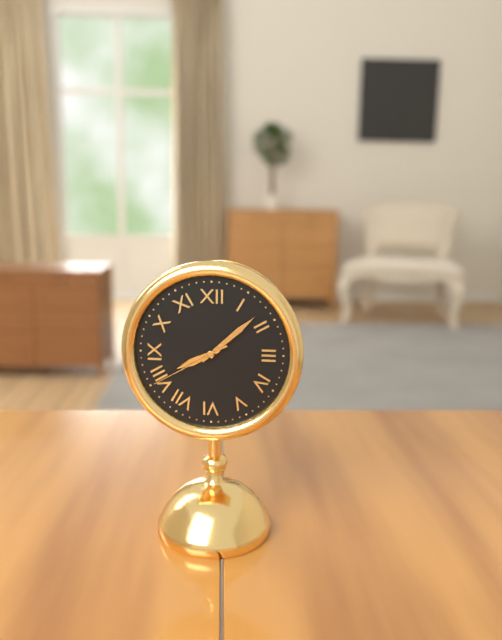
8:08:40
